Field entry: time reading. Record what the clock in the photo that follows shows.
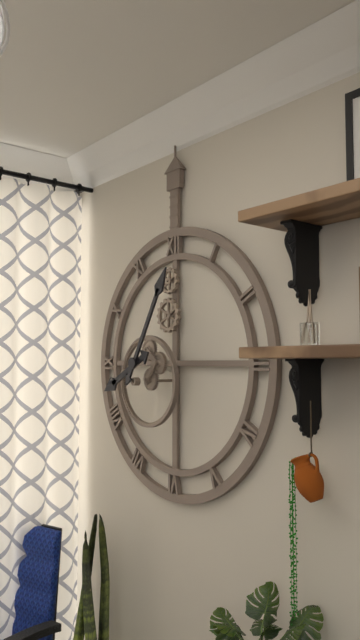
8:05
